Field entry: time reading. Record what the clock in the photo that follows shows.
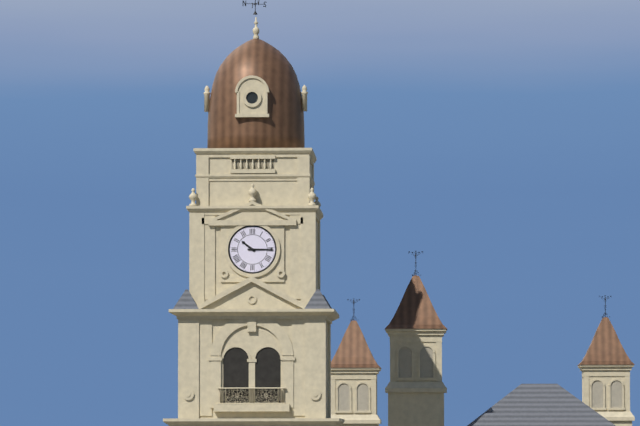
10:15
